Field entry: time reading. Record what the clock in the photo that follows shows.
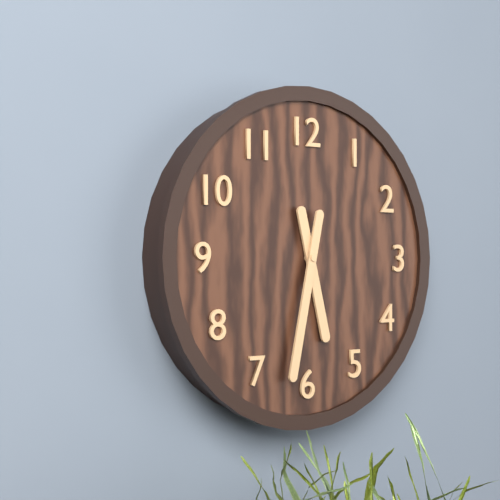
5:32
